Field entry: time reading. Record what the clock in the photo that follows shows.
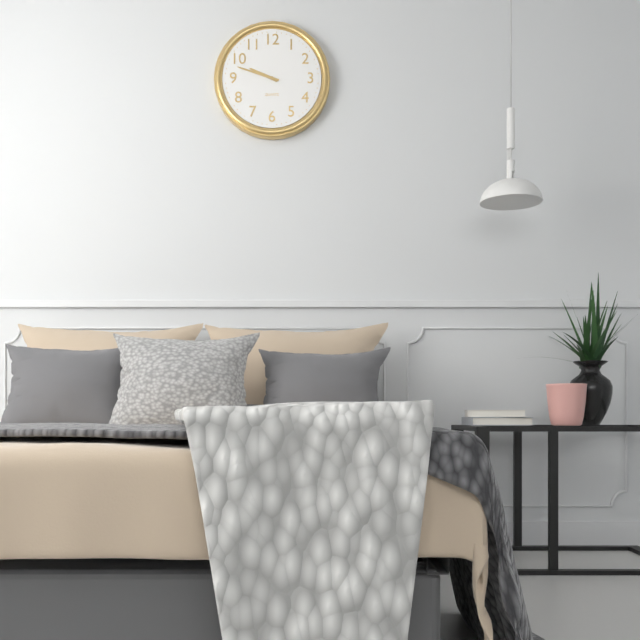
9:48
